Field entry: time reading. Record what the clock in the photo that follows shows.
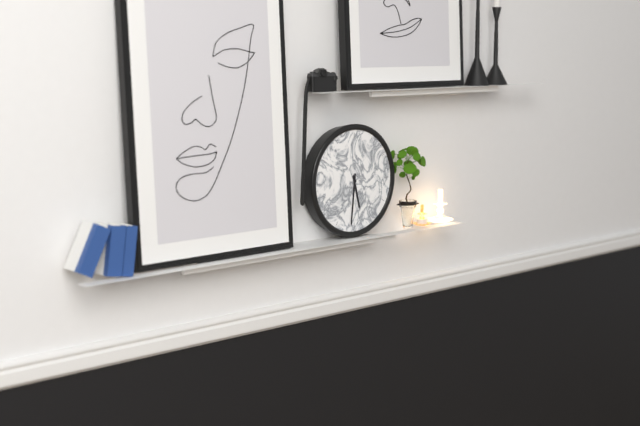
5:31
